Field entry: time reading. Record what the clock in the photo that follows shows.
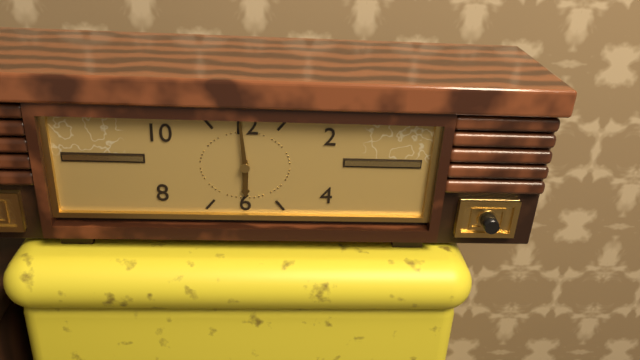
5:59
